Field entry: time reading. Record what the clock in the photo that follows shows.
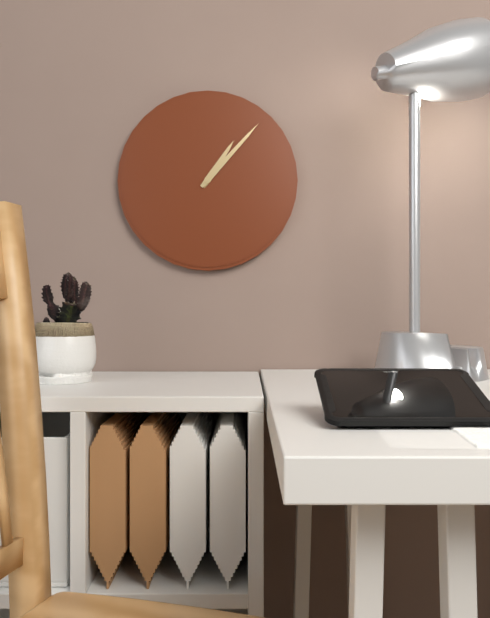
1:07
